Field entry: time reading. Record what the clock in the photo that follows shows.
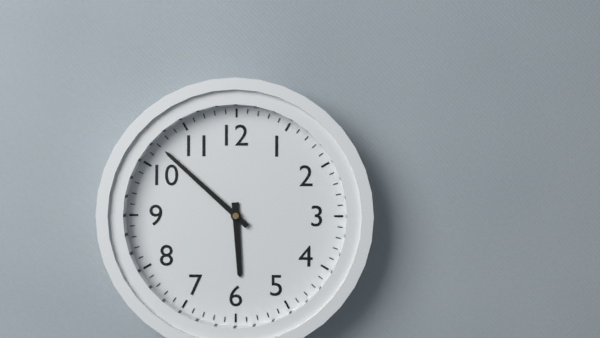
5:52
